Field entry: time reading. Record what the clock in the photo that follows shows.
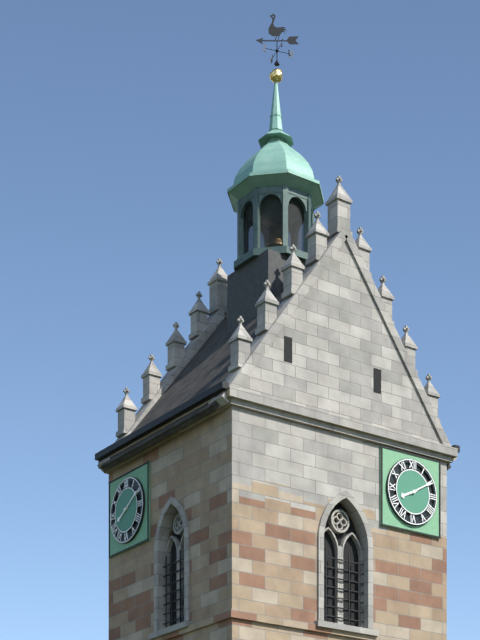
8:10
